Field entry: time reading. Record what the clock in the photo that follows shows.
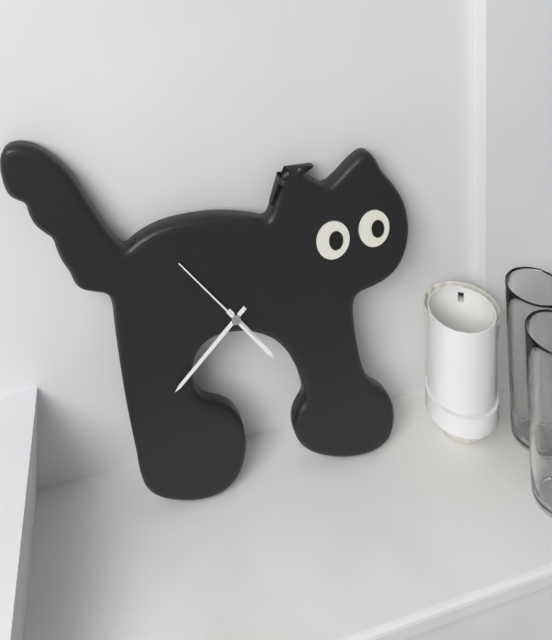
4:38:53
